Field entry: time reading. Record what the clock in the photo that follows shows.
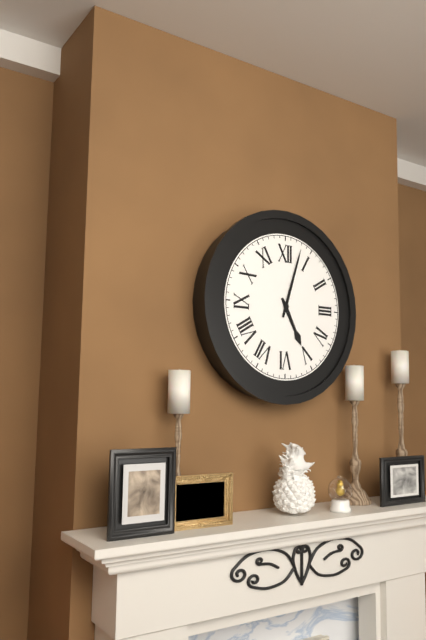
5:03
